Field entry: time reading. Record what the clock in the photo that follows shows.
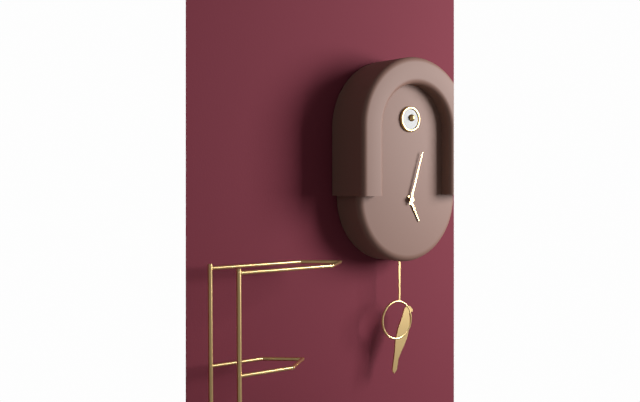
5:03
